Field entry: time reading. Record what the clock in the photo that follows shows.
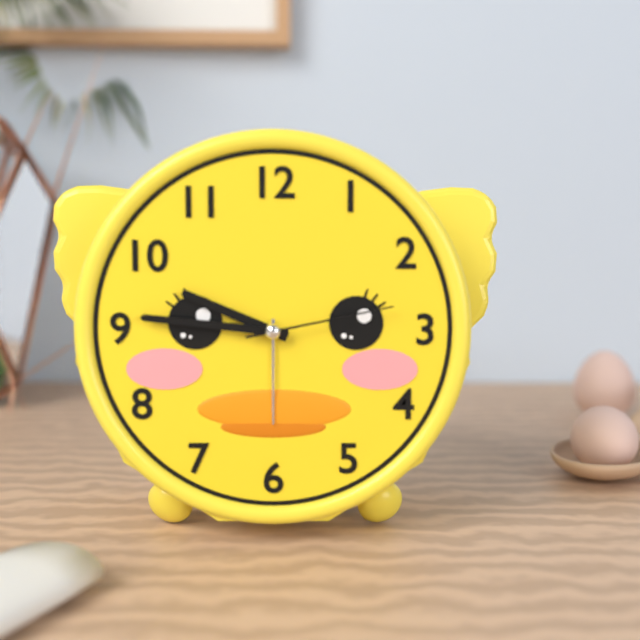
9:46:13
